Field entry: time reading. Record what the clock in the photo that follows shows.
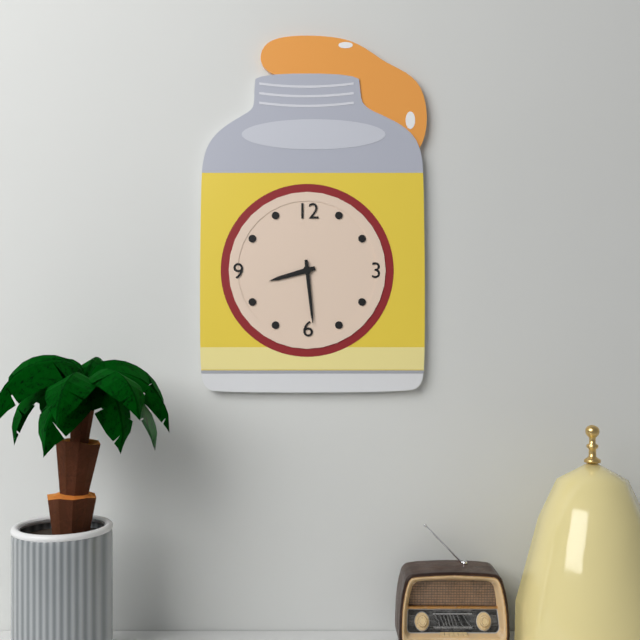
8:29
